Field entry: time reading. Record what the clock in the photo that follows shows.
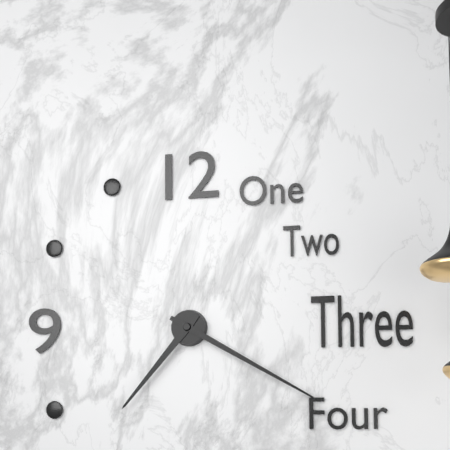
7:20
